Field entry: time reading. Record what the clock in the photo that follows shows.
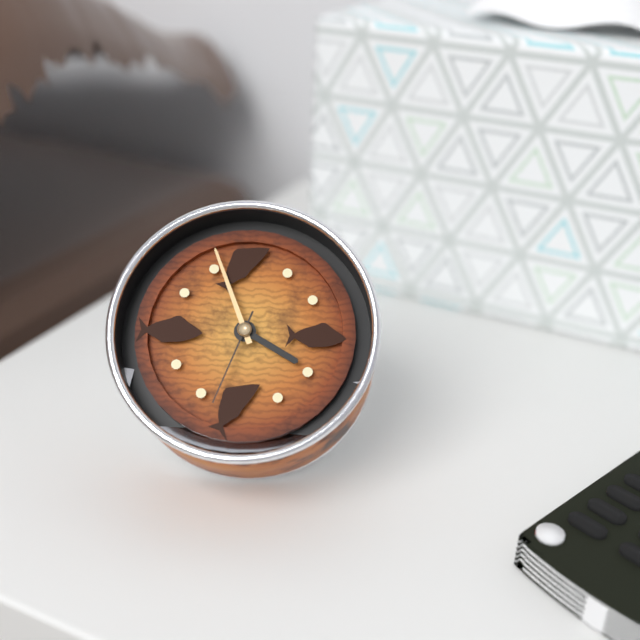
3:56:33
